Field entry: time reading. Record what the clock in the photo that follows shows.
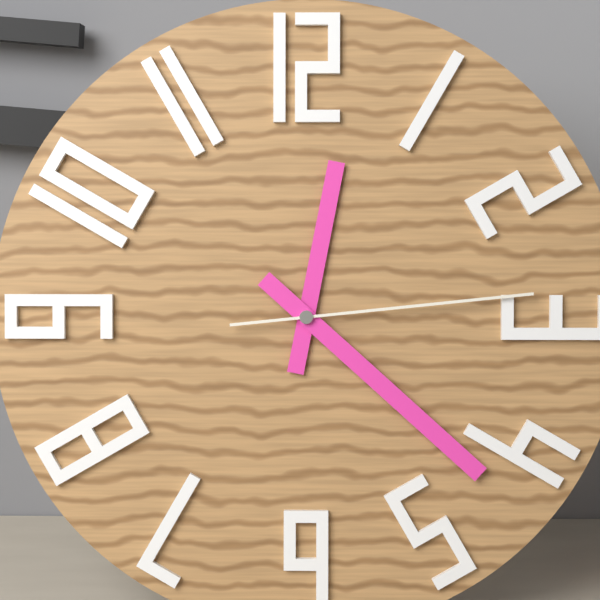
12:22:14
